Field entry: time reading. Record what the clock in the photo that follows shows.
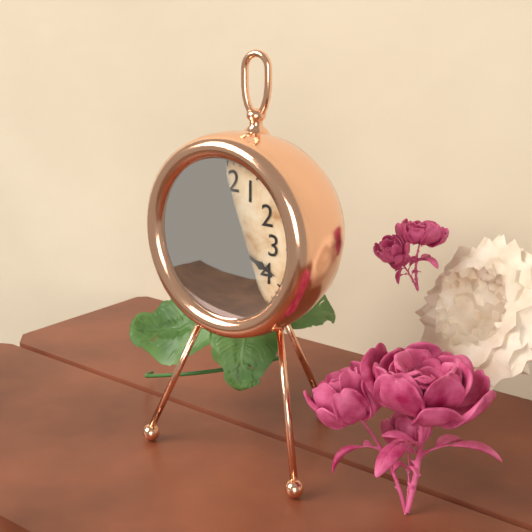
9:19
